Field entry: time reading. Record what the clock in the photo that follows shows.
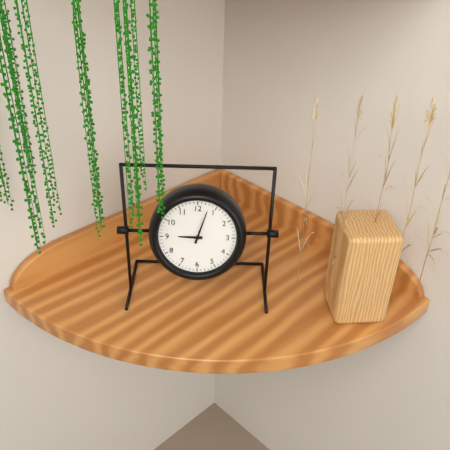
9:03
